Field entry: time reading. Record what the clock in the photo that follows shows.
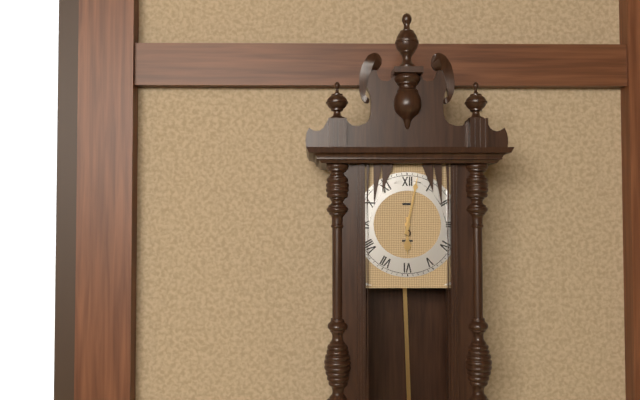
6:02
